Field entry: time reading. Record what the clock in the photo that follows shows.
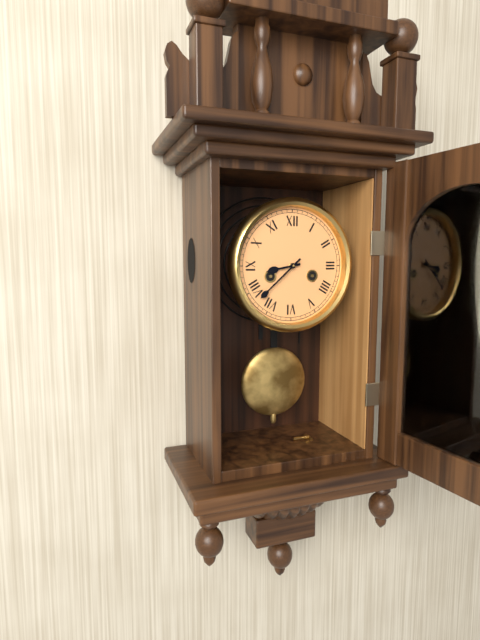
8:38
